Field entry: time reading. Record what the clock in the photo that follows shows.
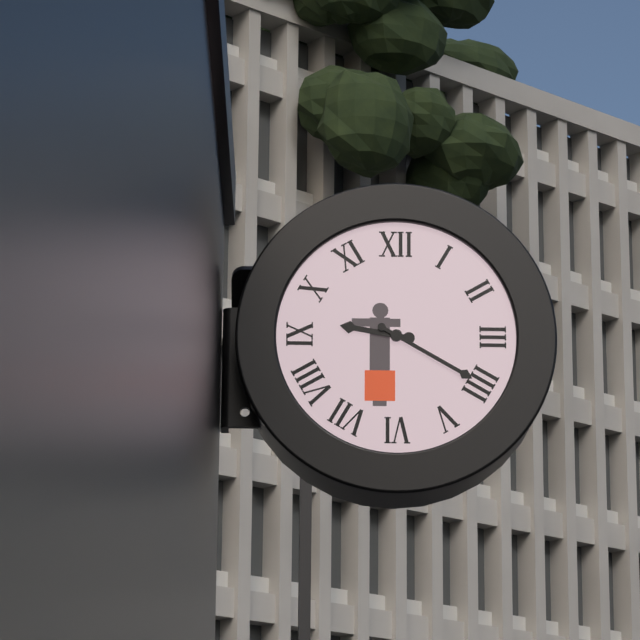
9:20
